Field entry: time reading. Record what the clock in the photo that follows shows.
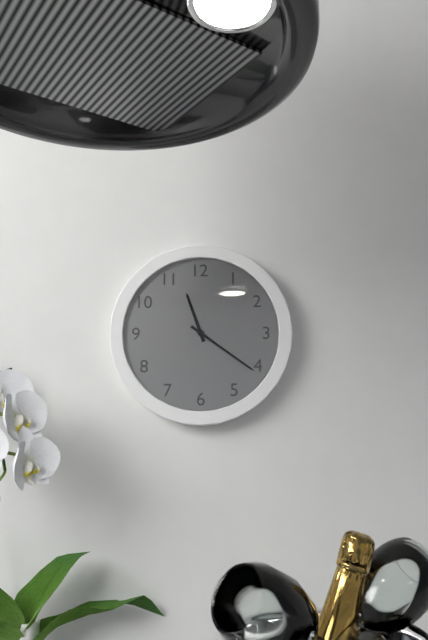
11:21
